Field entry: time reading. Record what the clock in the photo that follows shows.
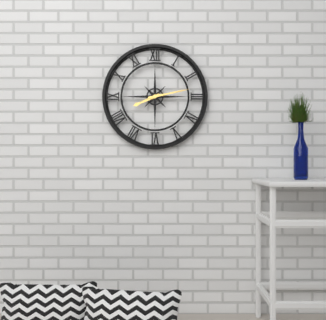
8:13
